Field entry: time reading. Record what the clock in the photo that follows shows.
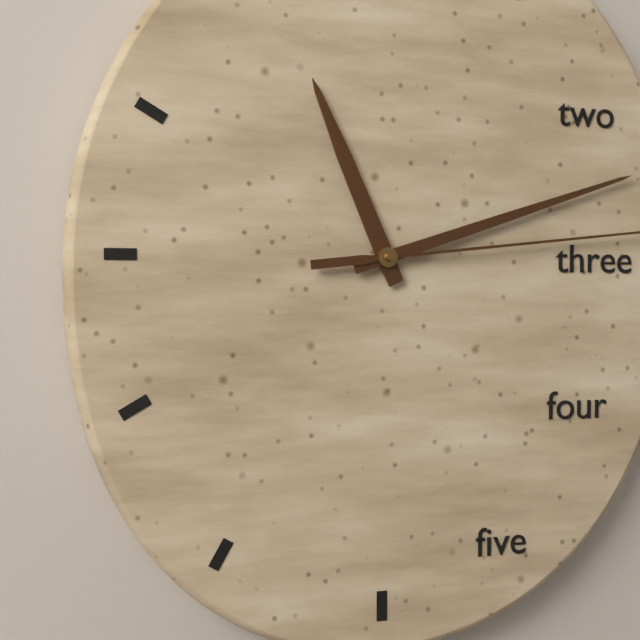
11:12
